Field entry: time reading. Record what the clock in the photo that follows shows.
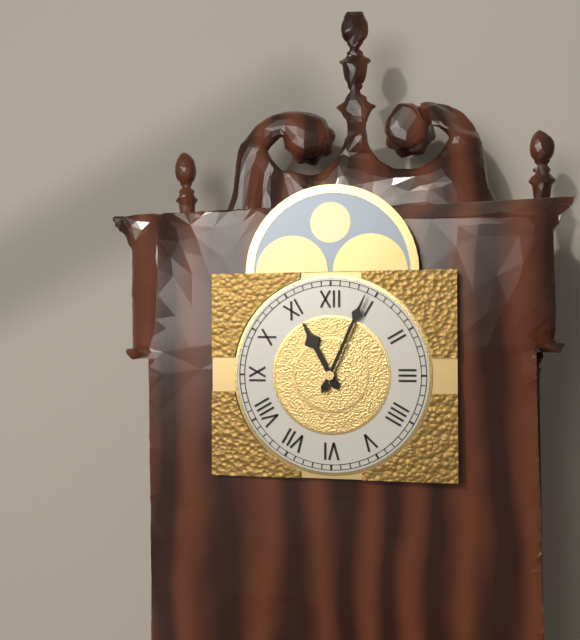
11:04
